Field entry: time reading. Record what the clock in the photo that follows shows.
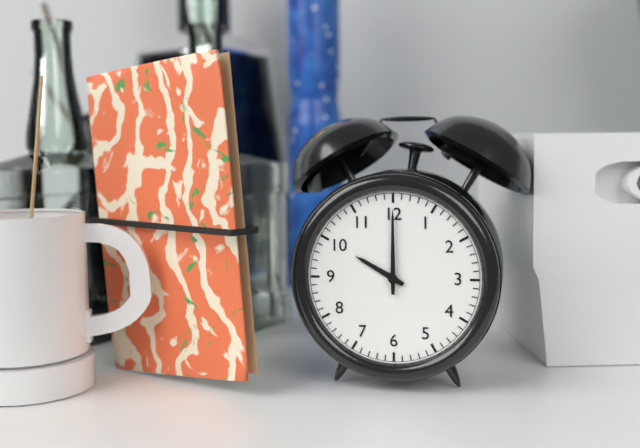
10:00
